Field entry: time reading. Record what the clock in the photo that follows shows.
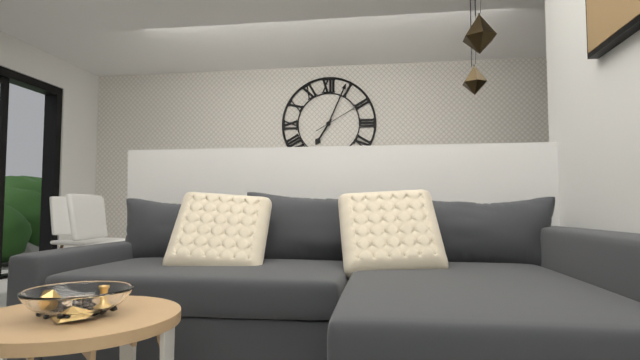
7:04:10
